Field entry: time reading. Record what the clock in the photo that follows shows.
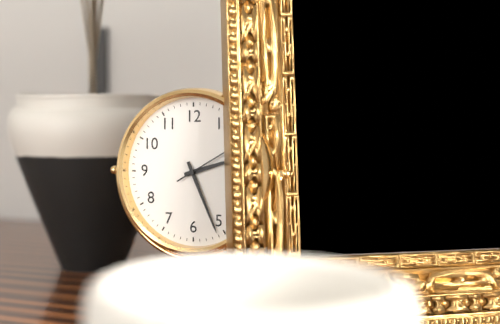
2:26
